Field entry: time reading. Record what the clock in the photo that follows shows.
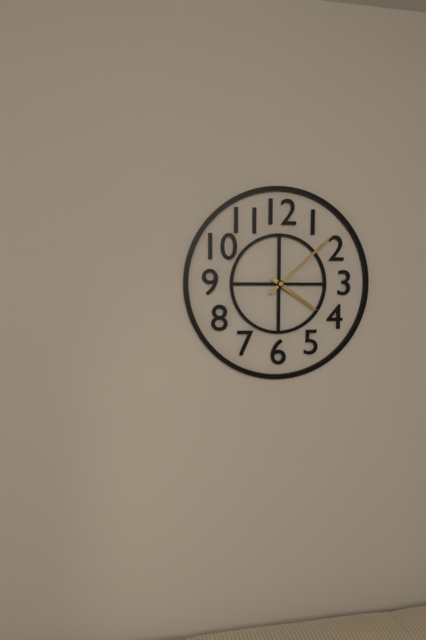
4:08
